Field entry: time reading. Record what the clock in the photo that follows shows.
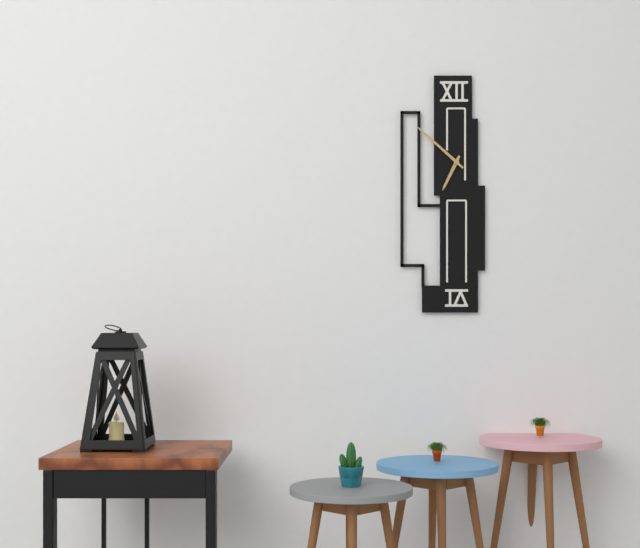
6:52
